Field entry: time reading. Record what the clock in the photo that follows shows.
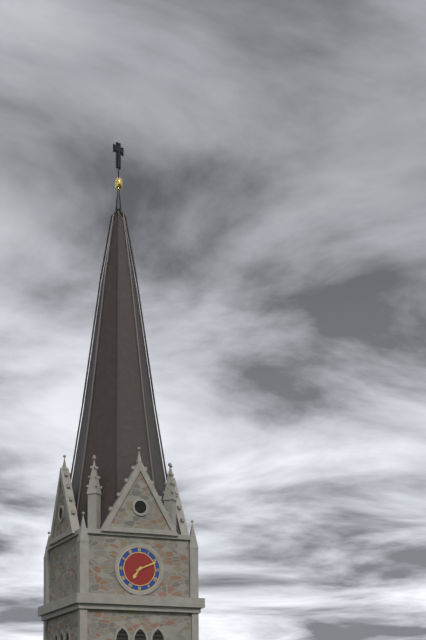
7:11
